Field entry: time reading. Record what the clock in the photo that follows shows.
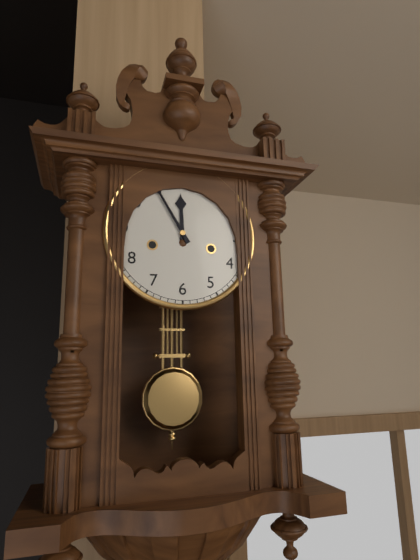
11:55
